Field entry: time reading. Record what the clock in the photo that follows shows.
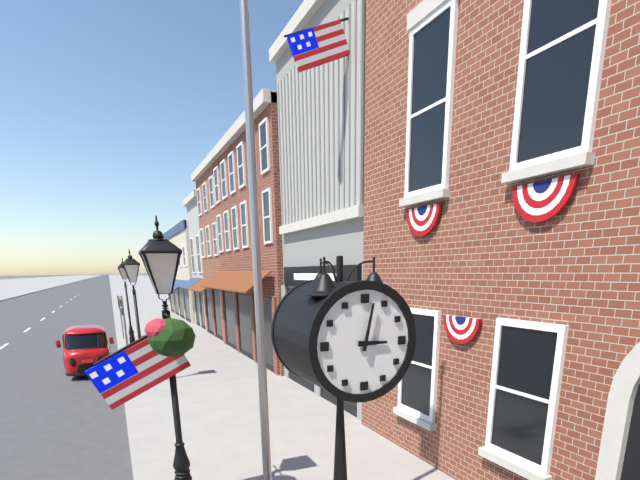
3:02
